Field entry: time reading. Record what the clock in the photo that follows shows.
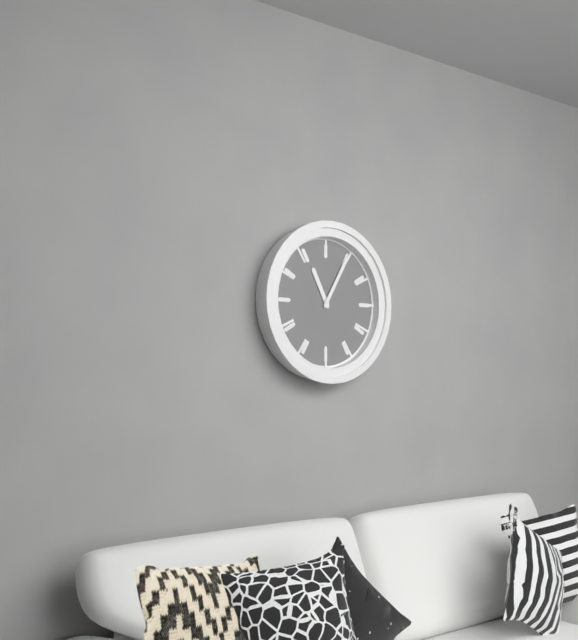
11:05
